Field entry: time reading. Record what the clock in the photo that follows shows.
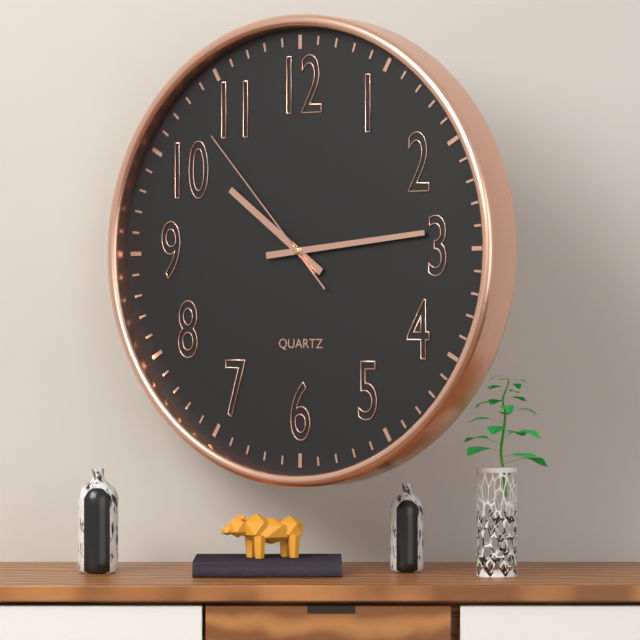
10:14:53
